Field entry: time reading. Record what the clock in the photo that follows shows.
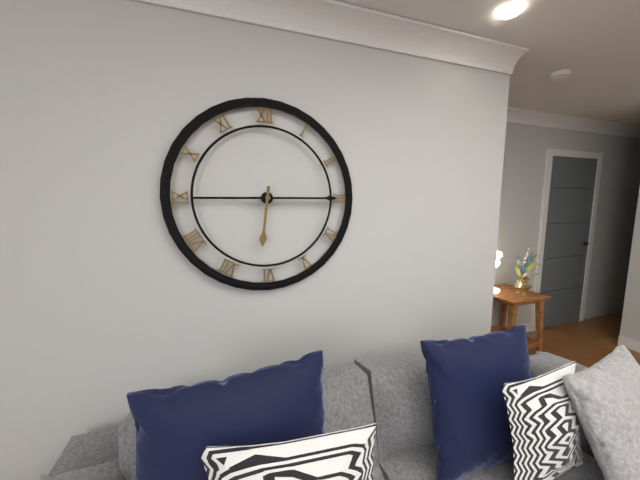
6:15
